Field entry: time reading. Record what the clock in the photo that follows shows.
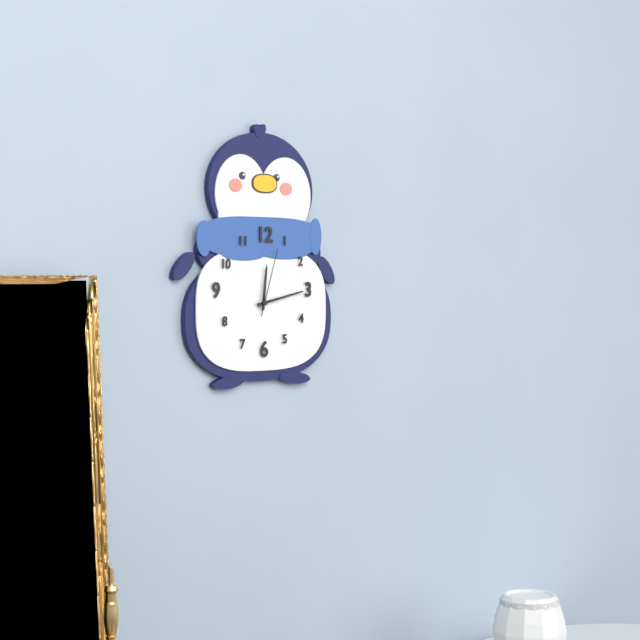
12:13:03
